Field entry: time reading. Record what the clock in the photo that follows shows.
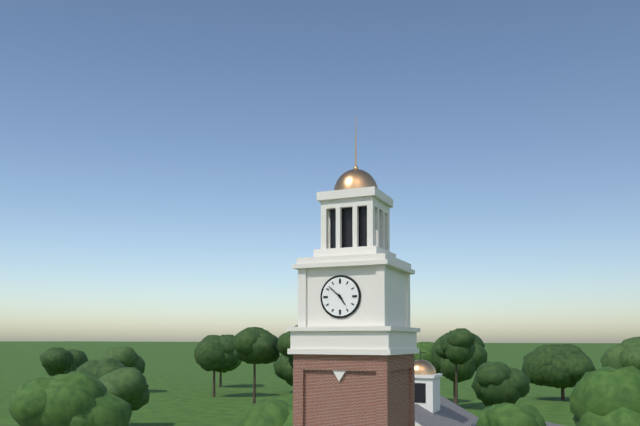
4:52
